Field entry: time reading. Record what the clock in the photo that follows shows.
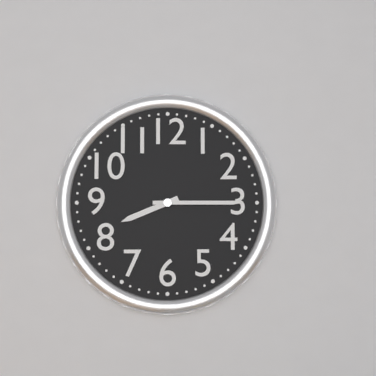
8:15
